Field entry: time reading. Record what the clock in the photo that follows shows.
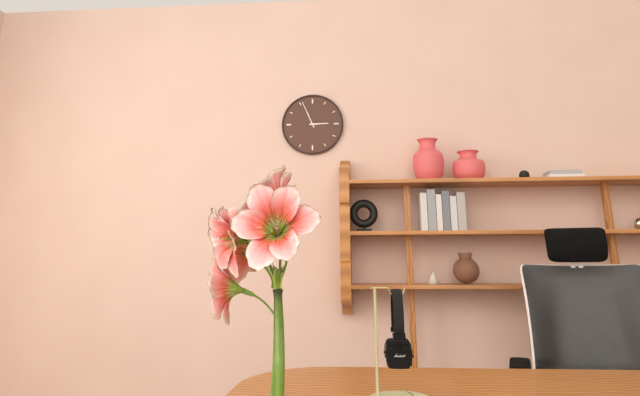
2:56
